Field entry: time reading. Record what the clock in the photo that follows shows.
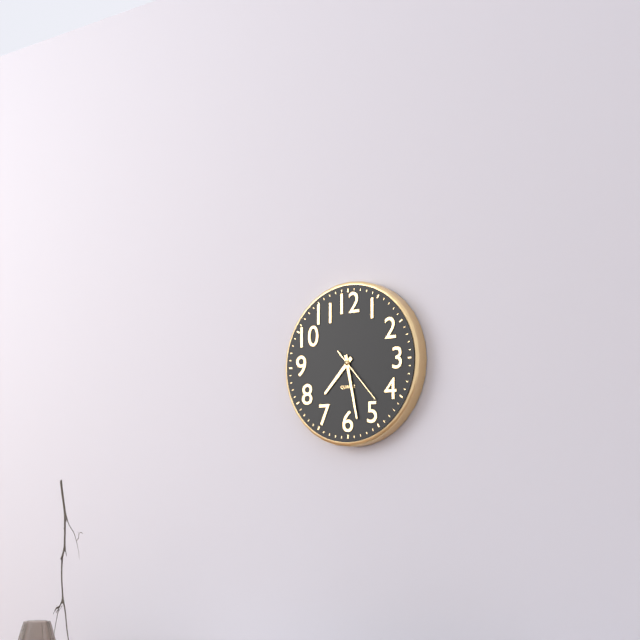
7:28:23
